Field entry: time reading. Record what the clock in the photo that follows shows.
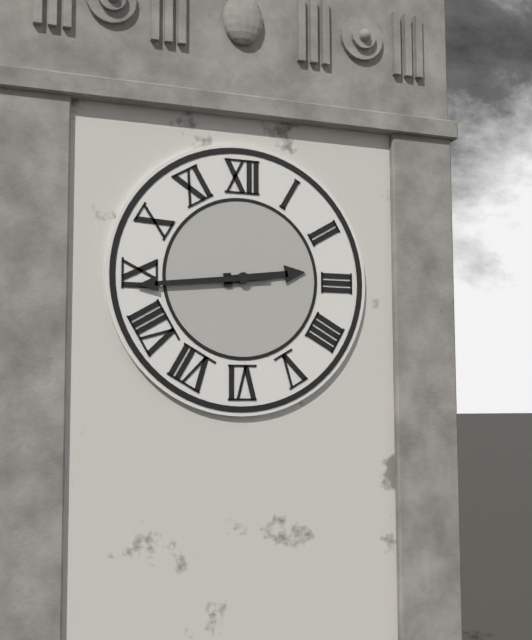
2:44
